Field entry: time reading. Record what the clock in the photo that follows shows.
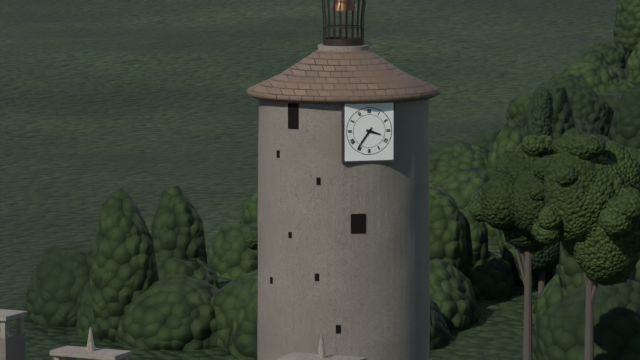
3:36
